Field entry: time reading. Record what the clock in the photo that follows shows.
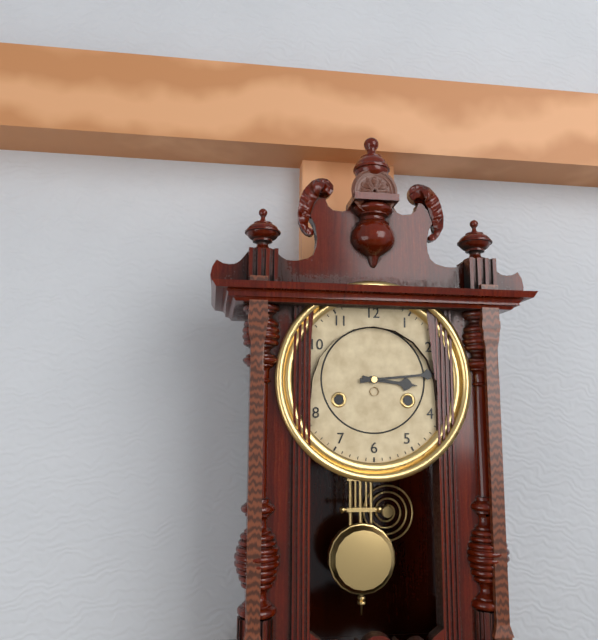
3:14
